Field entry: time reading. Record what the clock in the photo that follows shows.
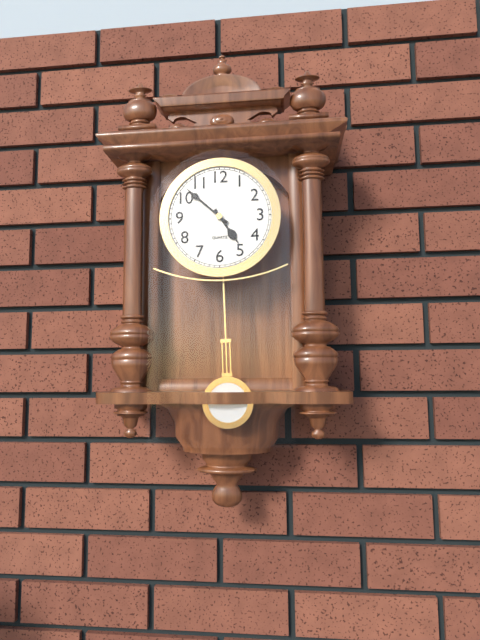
4:52
